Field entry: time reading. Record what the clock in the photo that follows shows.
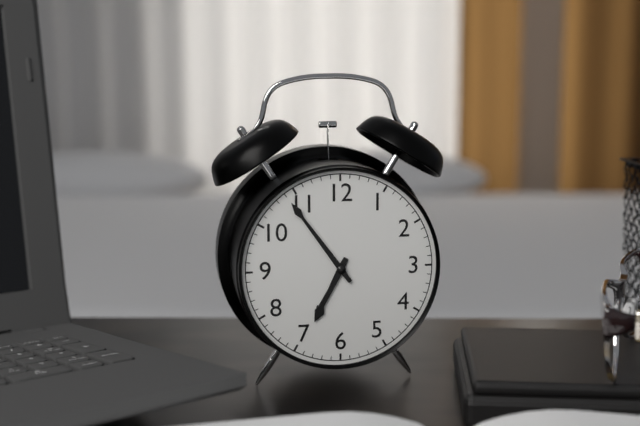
6:54
